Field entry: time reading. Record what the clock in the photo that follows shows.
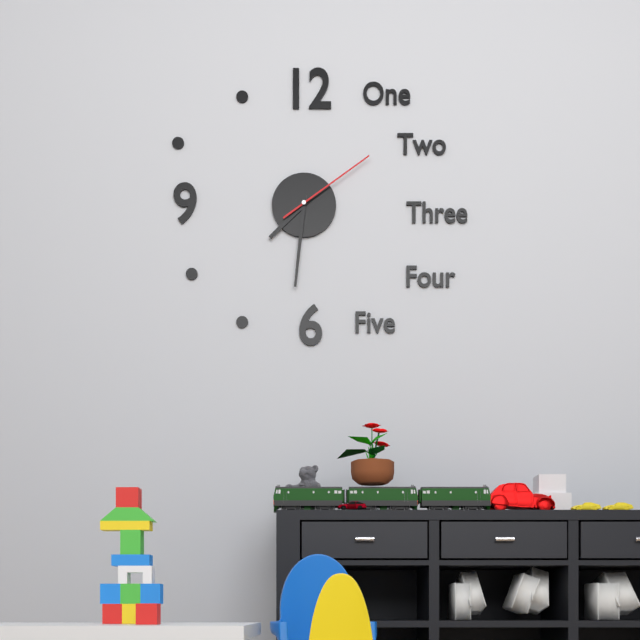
7:31:09
